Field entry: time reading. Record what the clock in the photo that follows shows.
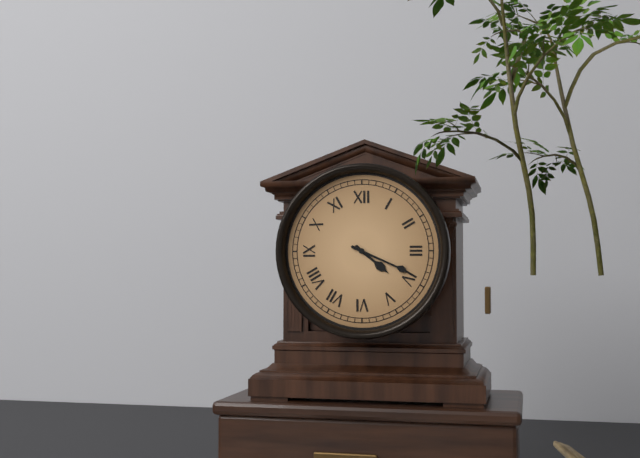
4:19
